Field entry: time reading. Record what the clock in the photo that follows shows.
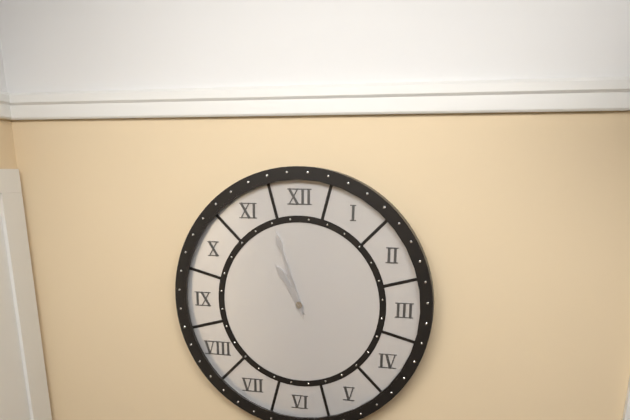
10:57
